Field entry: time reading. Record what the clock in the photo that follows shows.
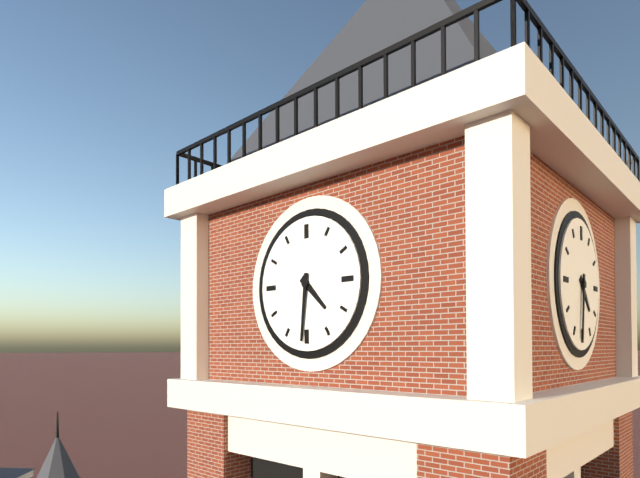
4:31
